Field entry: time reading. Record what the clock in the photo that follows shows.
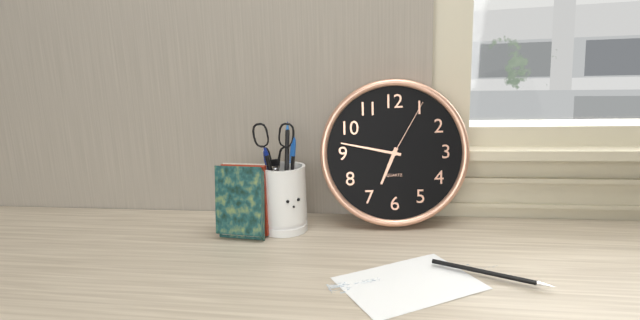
6:47:05
